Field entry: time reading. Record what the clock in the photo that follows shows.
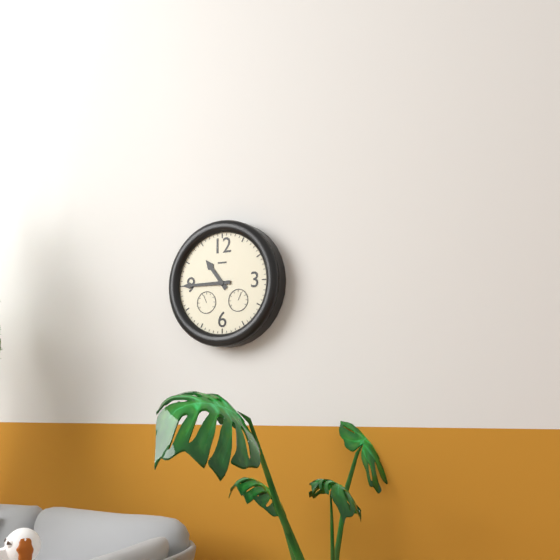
10:45
